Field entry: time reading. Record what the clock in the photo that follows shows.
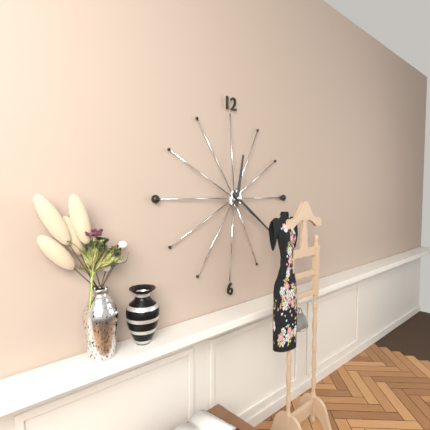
12:21
